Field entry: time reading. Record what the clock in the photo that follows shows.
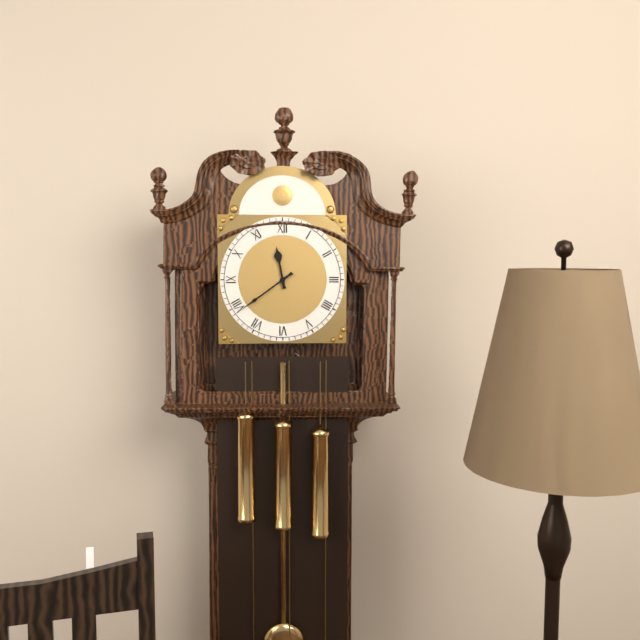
11:39
